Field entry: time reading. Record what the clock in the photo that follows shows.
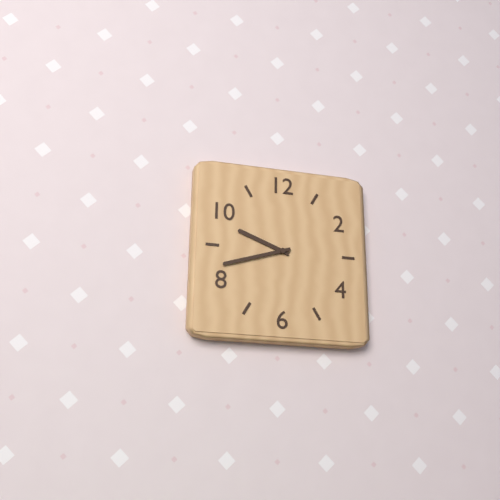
9:42
